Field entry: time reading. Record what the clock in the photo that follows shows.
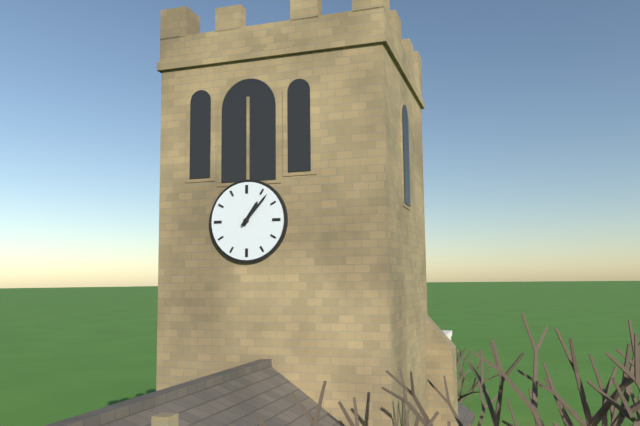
1:07
